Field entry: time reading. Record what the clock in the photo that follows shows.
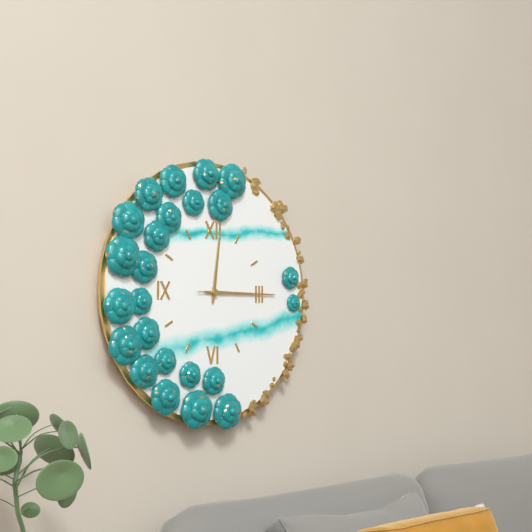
12:15:15
